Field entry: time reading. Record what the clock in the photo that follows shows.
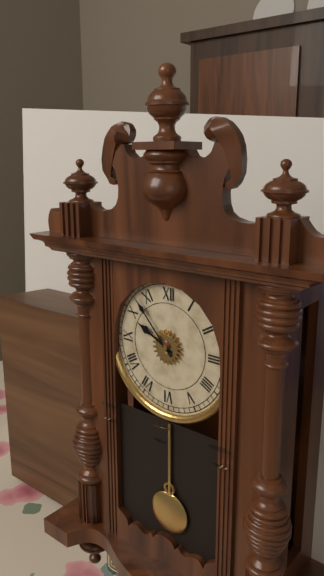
9:53
